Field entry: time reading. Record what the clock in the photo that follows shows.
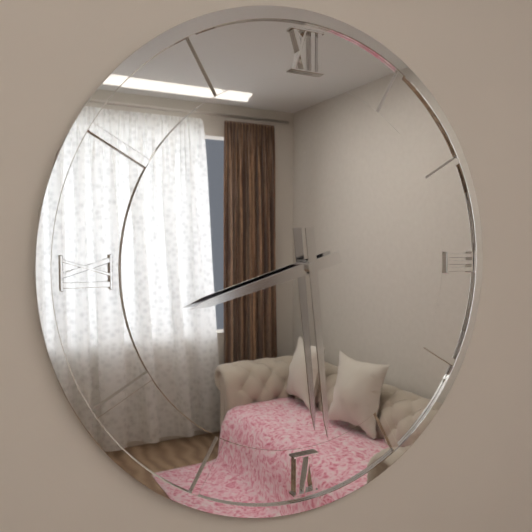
8:29
